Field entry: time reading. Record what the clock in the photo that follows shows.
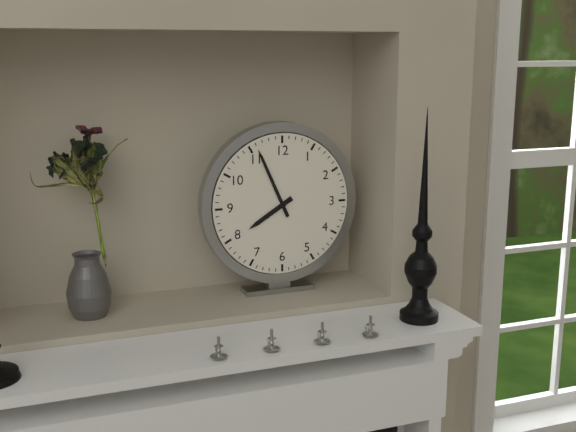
7:56
